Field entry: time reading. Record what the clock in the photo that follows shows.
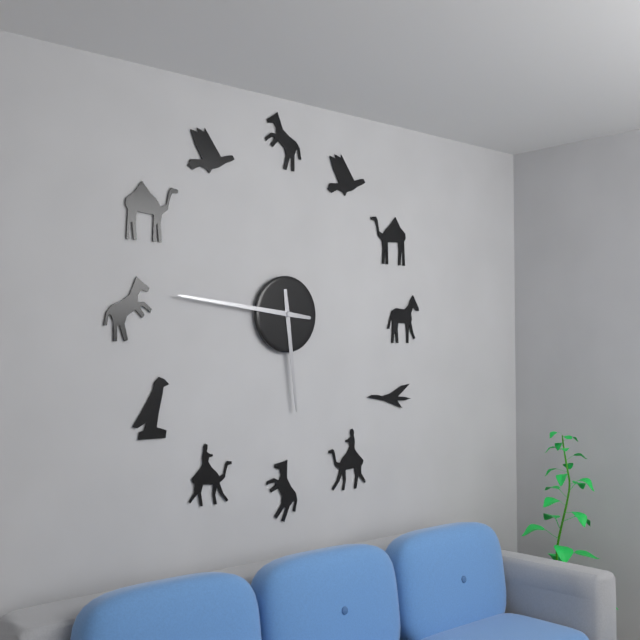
5:46
